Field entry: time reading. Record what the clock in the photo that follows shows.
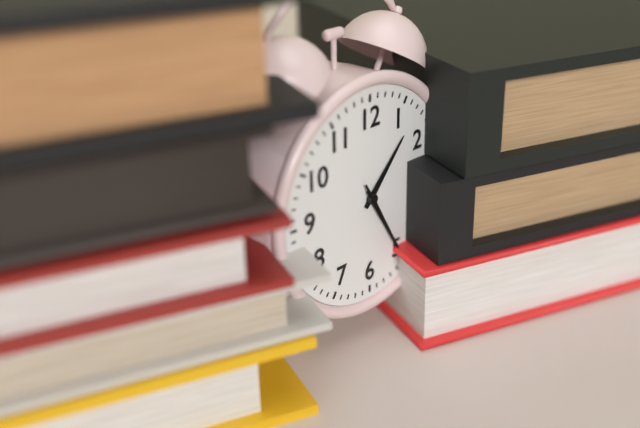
1:25:25
